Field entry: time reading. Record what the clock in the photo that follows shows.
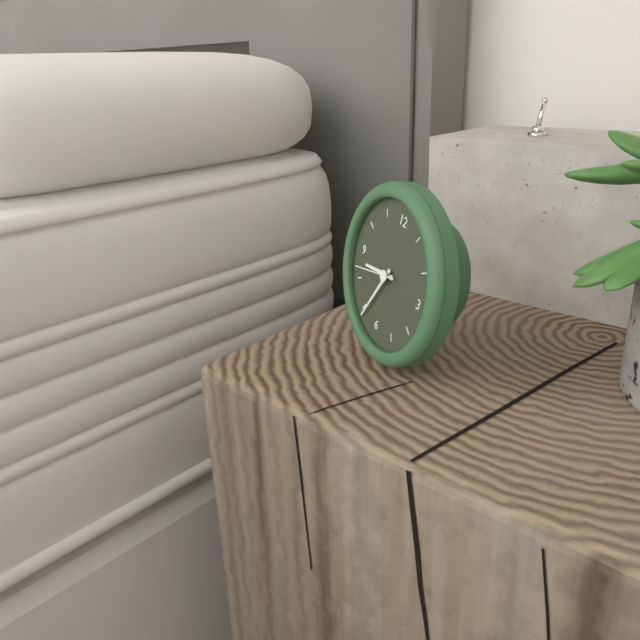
8:34
